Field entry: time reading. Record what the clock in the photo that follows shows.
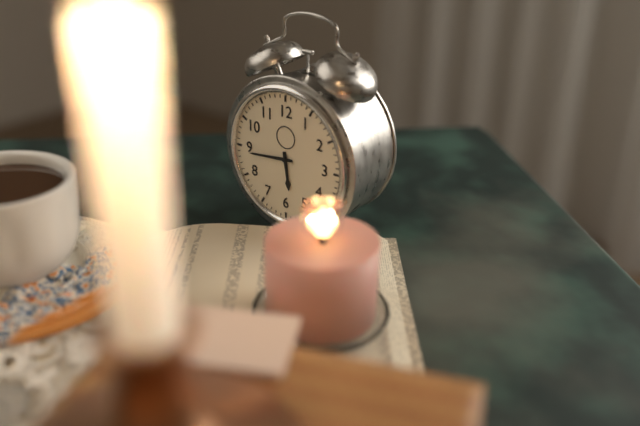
5:44
